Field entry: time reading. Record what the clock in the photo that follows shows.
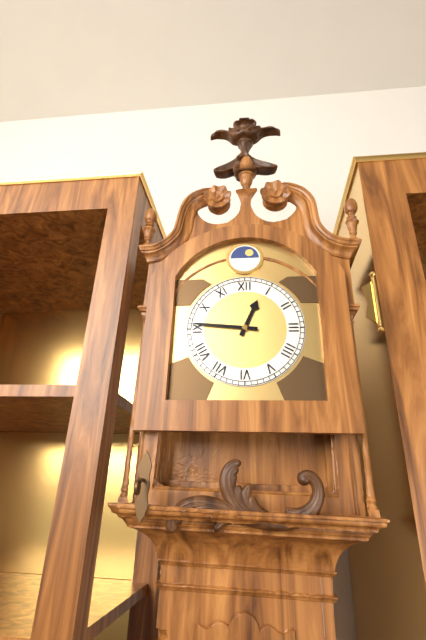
12:46
